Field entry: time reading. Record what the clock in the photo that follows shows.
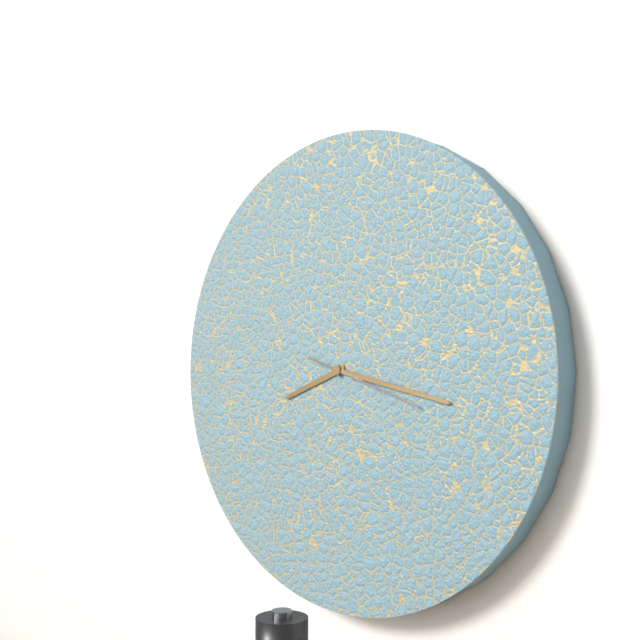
8:17:18
